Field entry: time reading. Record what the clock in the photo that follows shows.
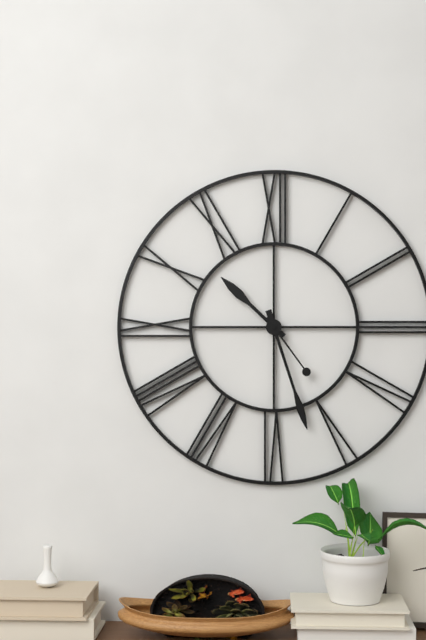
10:27:24
